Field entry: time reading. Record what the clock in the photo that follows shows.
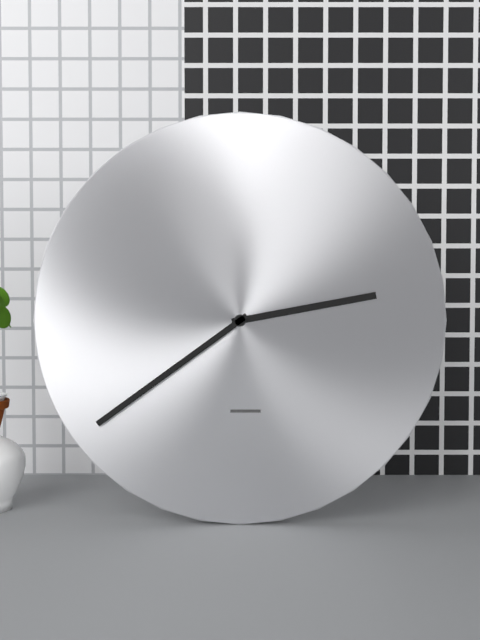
2:39
